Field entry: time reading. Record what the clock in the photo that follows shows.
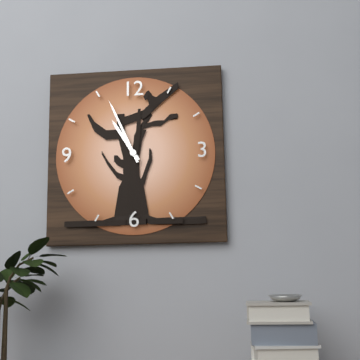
10:56
